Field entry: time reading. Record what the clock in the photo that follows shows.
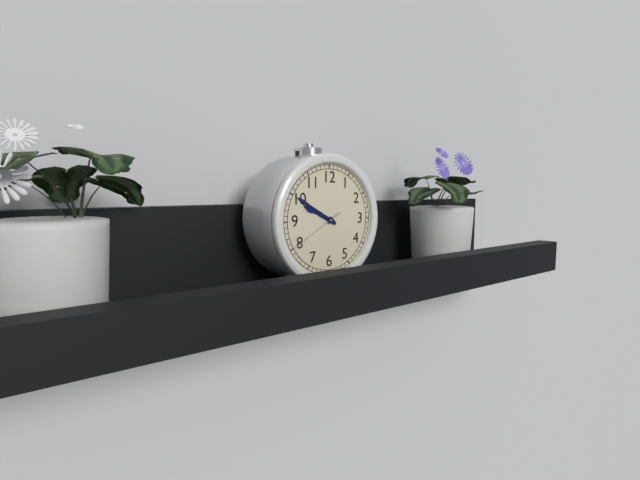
9:50:40
